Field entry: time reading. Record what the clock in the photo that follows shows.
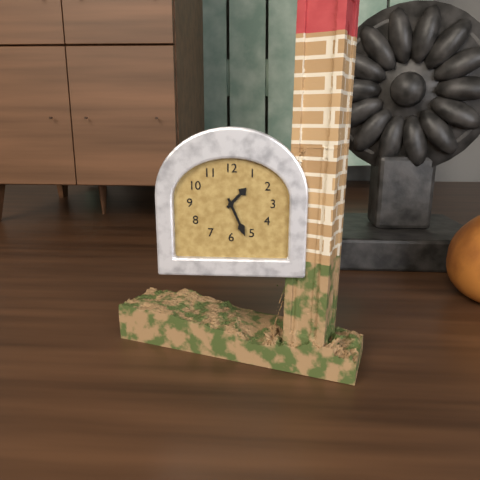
1:26
